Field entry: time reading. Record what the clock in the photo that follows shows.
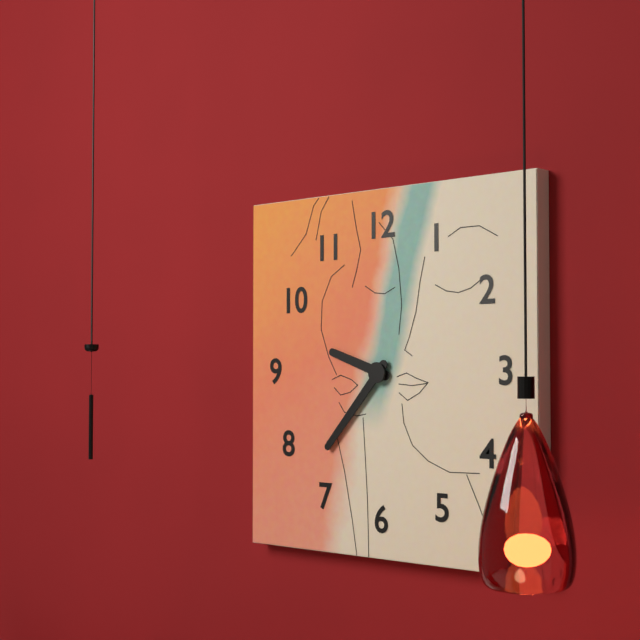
9:37
